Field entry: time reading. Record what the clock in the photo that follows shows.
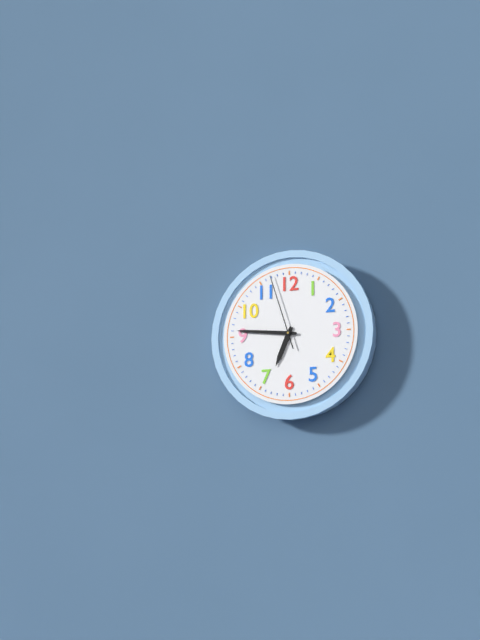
6:46:57
